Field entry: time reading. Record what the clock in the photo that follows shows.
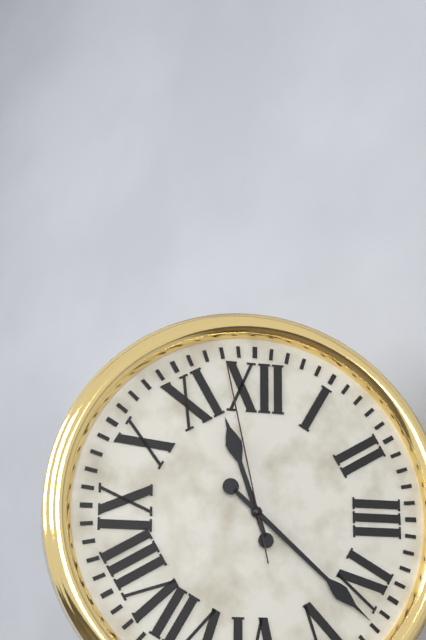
11:22:58
